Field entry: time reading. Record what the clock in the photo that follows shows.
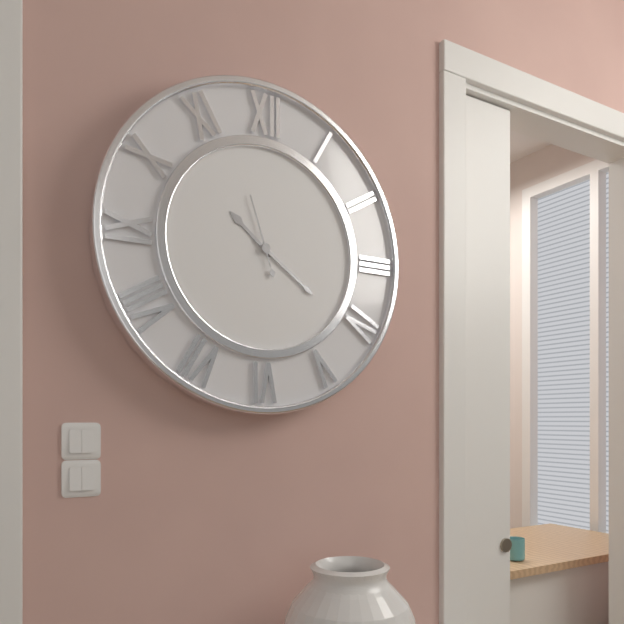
10:21:57
